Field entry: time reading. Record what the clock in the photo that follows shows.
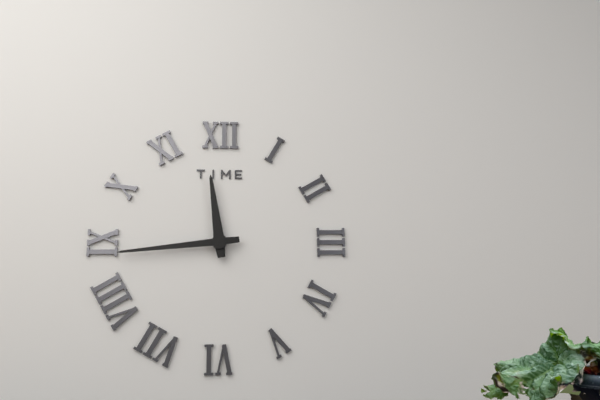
11:44
